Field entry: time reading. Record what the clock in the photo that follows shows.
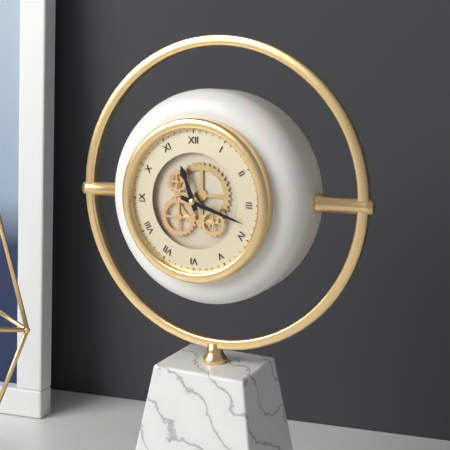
11:18
